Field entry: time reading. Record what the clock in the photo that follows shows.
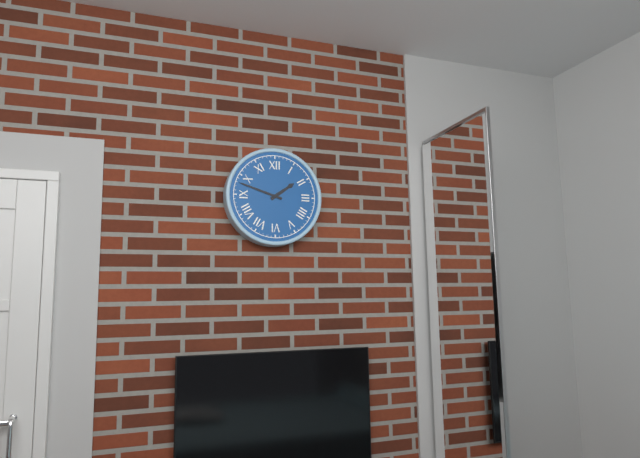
1:48
